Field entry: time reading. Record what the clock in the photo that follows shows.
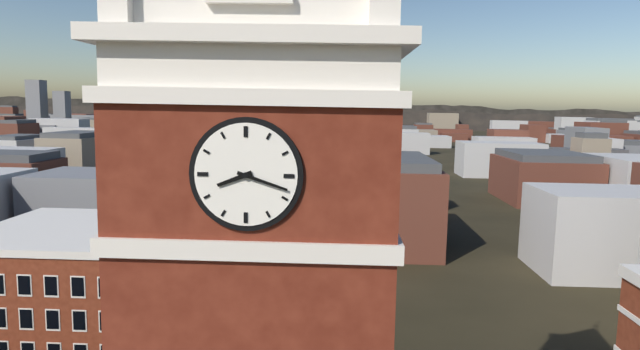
8:18
